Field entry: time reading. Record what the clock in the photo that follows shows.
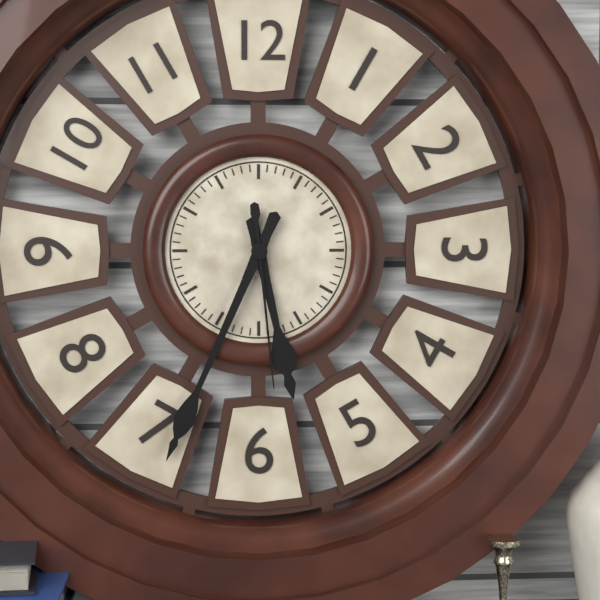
5:34:29
